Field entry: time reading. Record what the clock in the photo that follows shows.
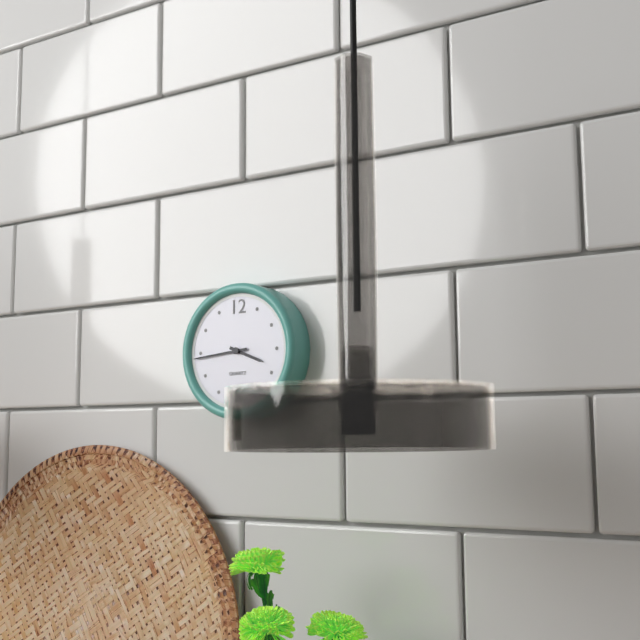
3:44
